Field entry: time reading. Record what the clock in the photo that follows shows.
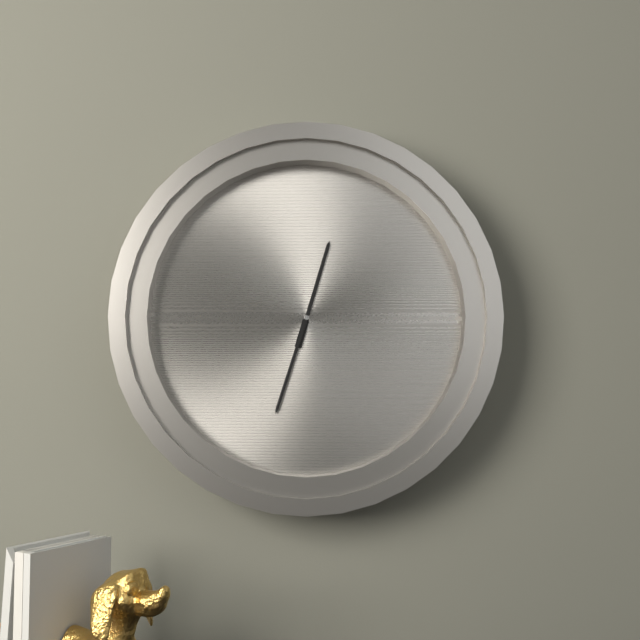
12:33
